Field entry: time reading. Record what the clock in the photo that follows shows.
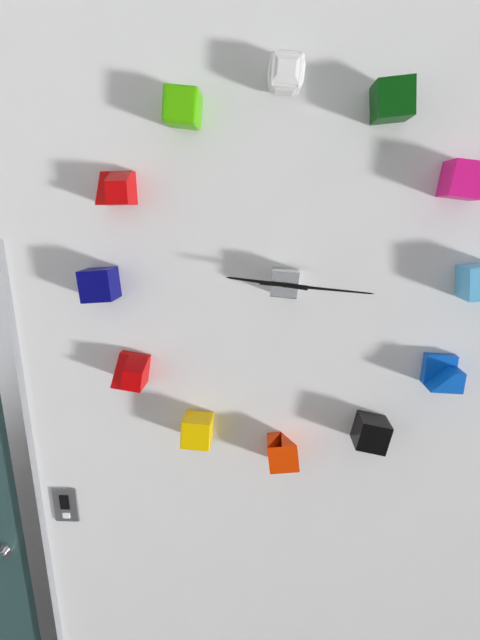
9:16
